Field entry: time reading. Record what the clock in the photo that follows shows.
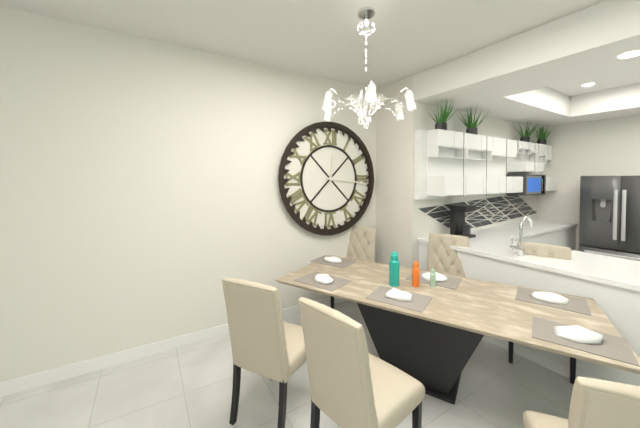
12:16
